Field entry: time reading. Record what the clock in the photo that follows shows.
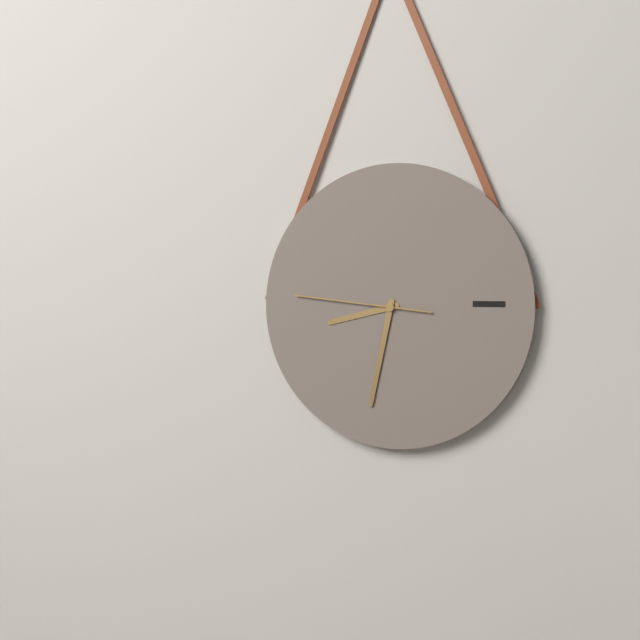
8:32:46
